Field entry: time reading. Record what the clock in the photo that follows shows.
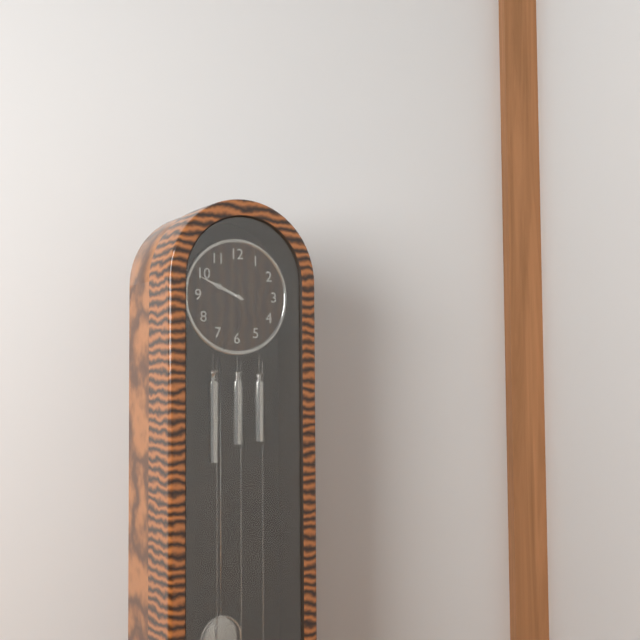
9:49
